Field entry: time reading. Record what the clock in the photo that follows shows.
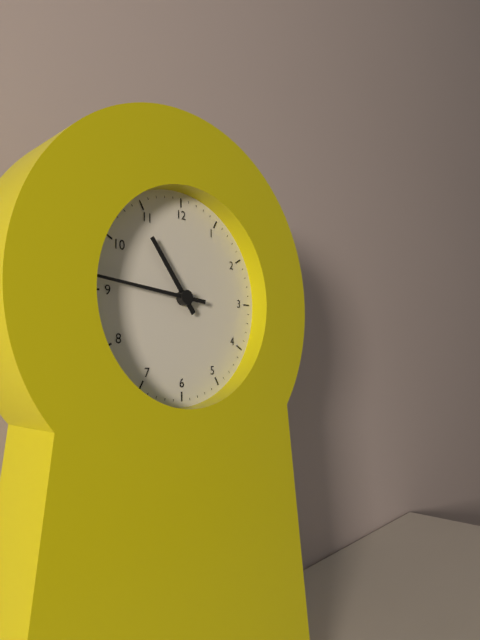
10:46
